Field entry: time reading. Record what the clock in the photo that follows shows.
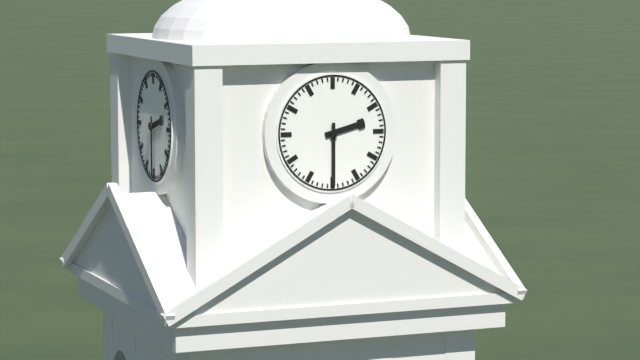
2:30
